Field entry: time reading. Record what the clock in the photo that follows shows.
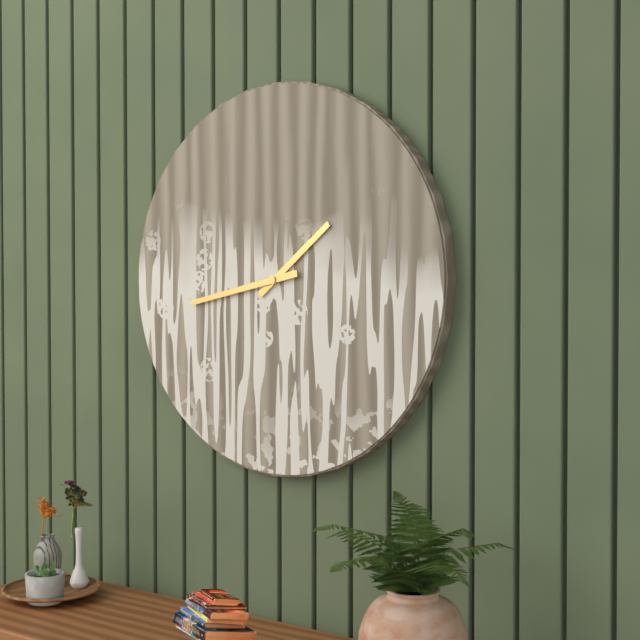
1:43
